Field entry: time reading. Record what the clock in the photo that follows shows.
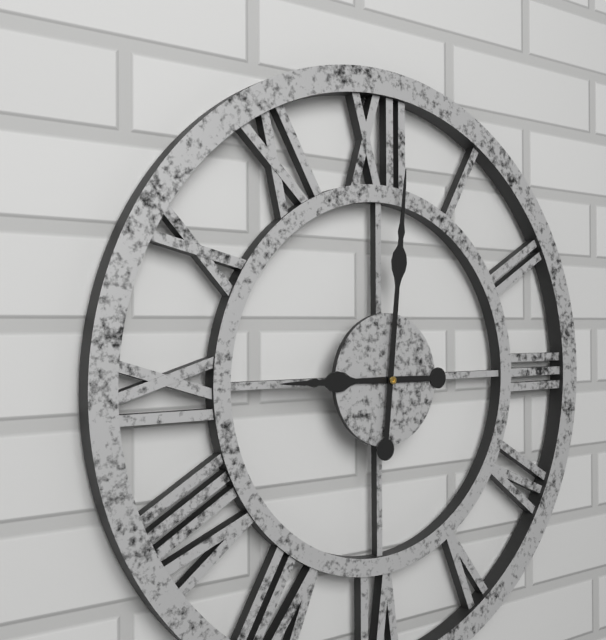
9:01
